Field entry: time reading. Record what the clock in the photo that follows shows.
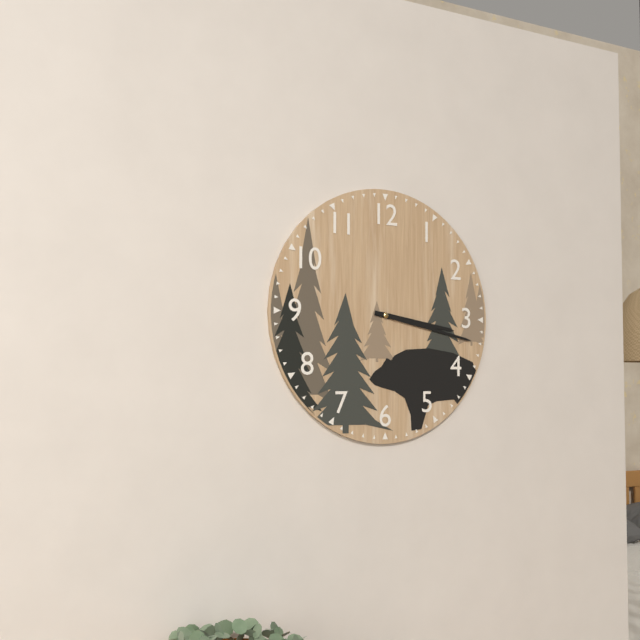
3:17
